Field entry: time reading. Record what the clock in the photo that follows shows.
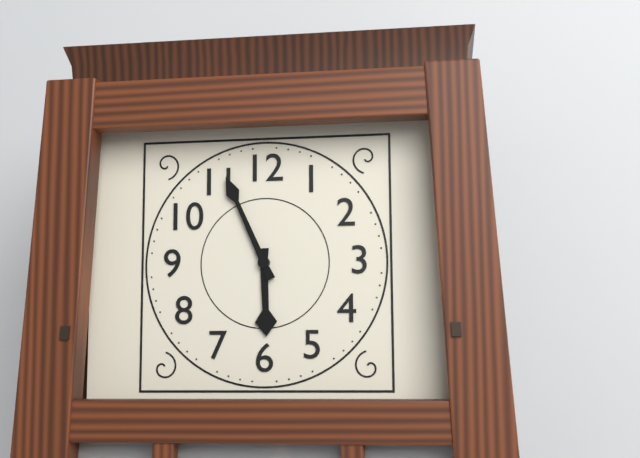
5:56
